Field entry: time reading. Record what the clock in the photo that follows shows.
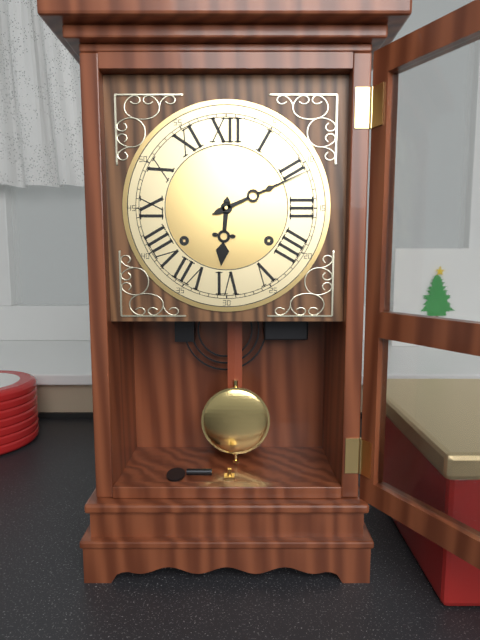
6:11
